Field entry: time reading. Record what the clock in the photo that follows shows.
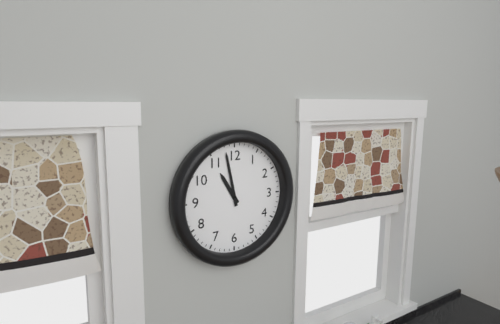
10:58
